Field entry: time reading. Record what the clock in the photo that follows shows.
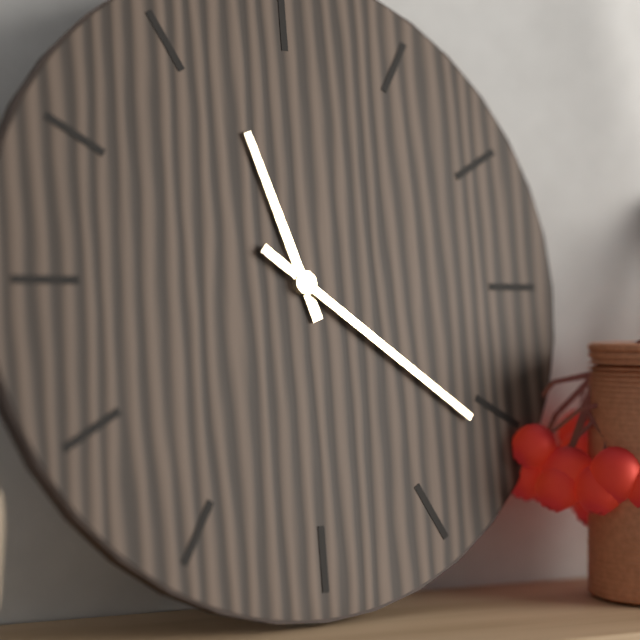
11:21
